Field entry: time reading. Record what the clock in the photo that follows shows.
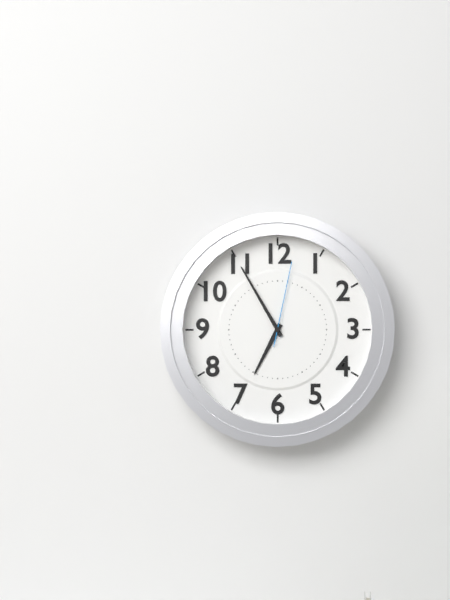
6:55:02
